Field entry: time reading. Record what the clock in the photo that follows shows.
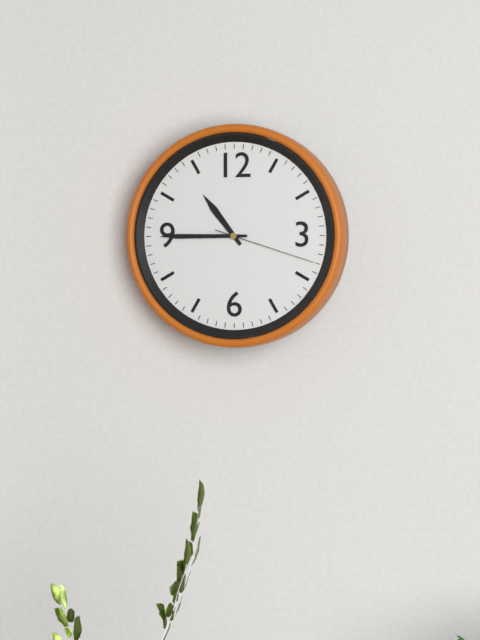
10:45:18
